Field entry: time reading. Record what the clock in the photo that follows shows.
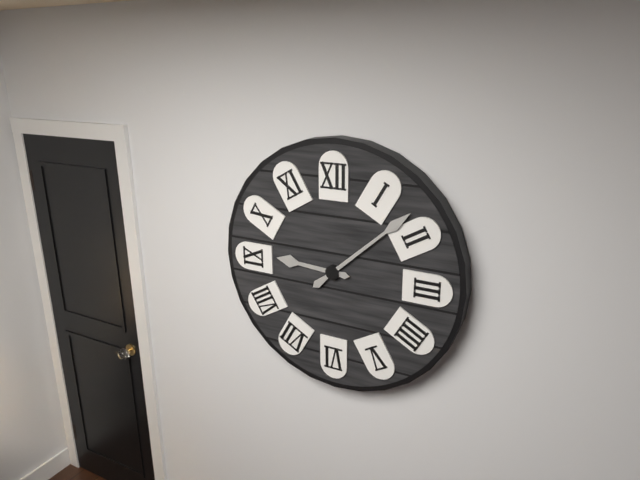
9:08
